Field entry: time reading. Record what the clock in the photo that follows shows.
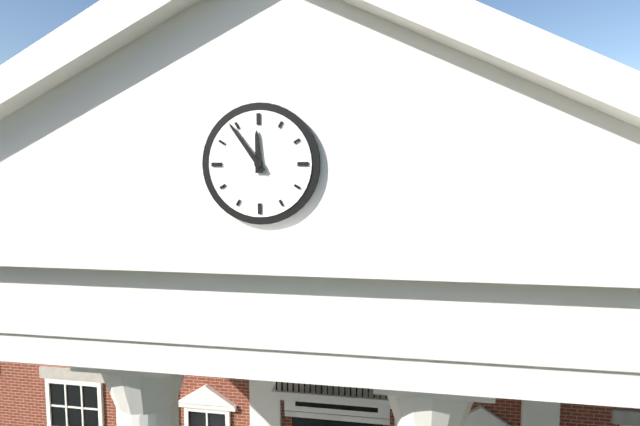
11:54
